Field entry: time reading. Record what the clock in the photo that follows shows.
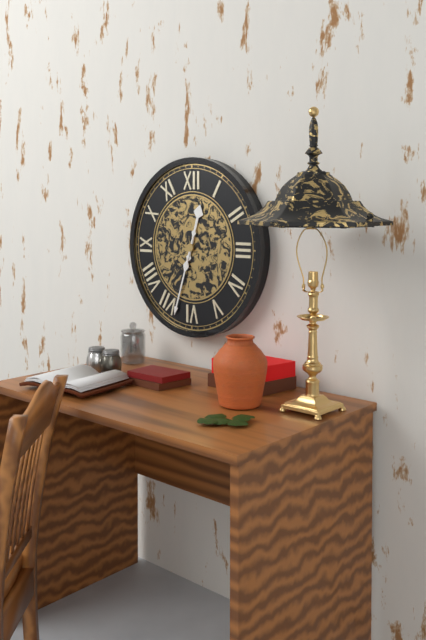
12:33
